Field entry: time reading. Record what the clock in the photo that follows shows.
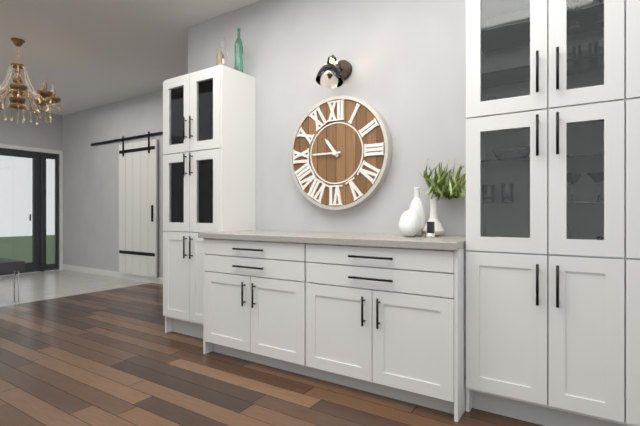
10:45
